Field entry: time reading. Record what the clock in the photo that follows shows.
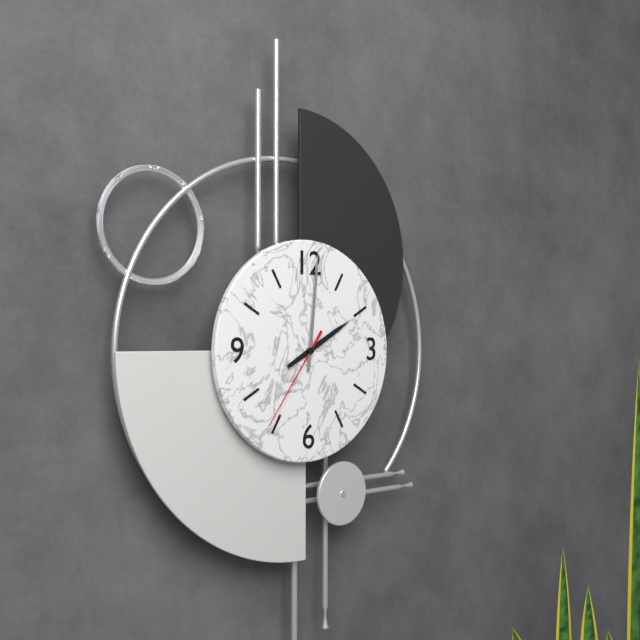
2:01:36
